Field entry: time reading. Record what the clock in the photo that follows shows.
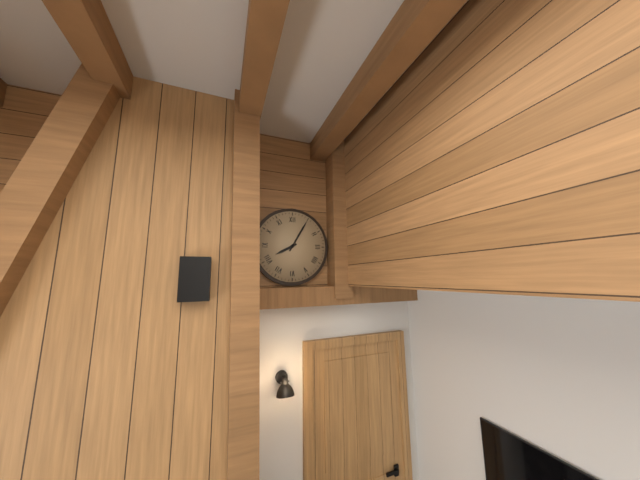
8:05
